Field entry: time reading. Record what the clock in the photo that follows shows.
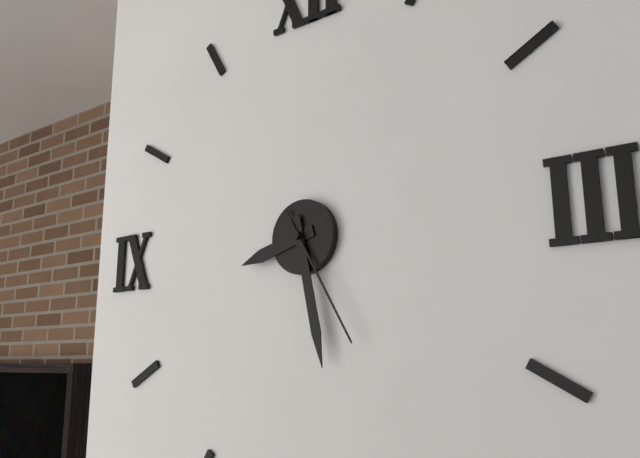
8:28:25
